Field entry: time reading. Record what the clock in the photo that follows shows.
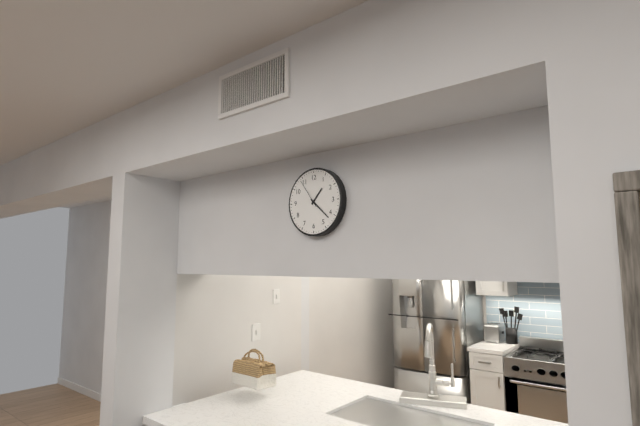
1:22
